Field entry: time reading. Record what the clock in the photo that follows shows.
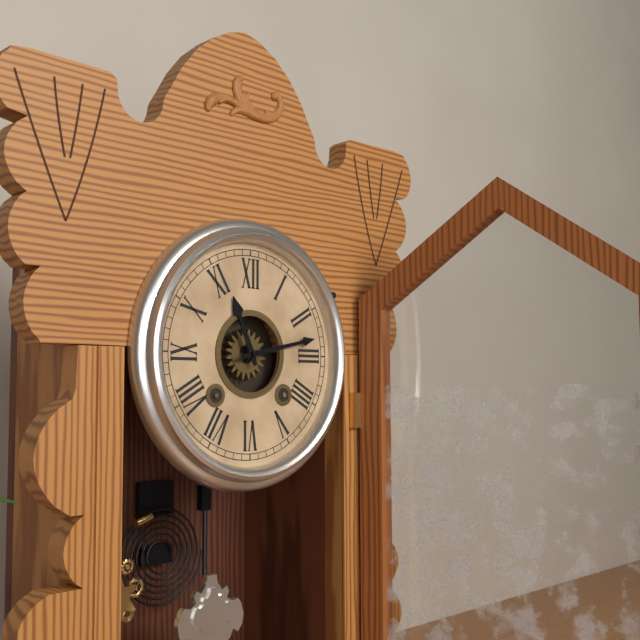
11:13
